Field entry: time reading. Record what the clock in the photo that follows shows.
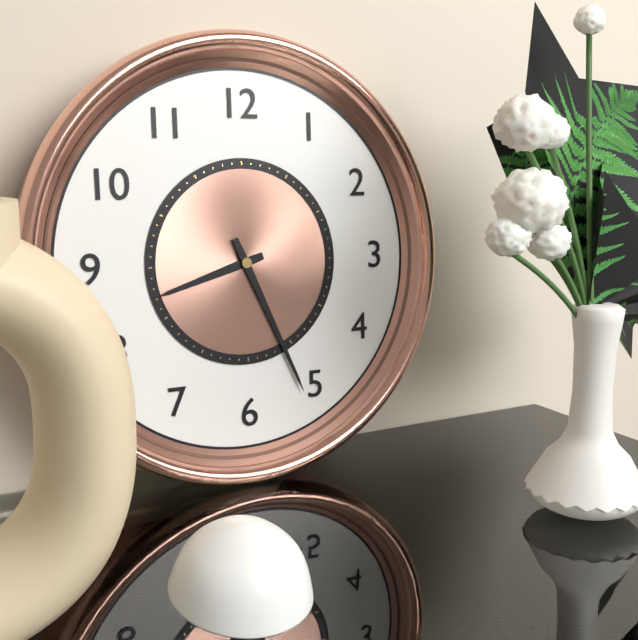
8:26
